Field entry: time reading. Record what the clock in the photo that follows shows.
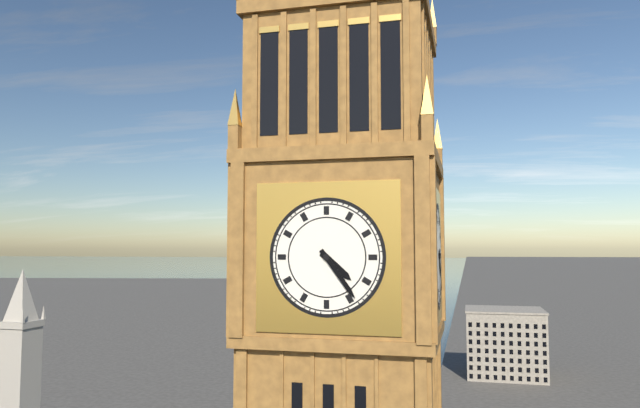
4:24
